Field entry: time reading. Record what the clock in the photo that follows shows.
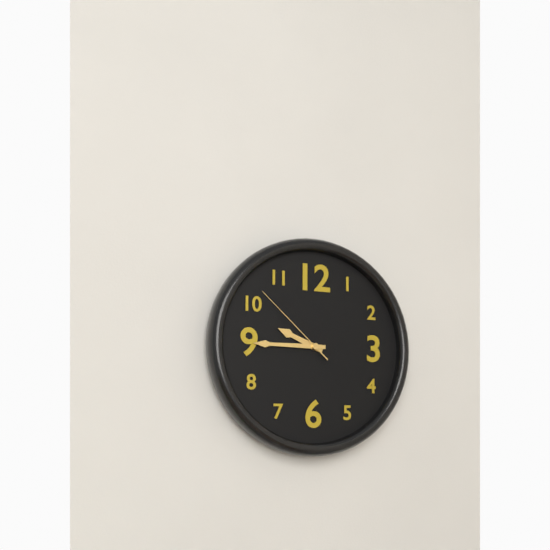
9:45:52
